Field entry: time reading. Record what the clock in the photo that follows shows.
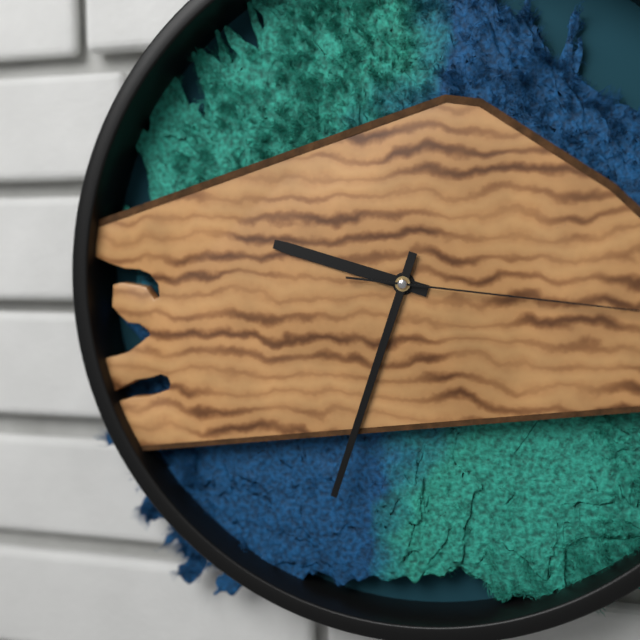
9:33
